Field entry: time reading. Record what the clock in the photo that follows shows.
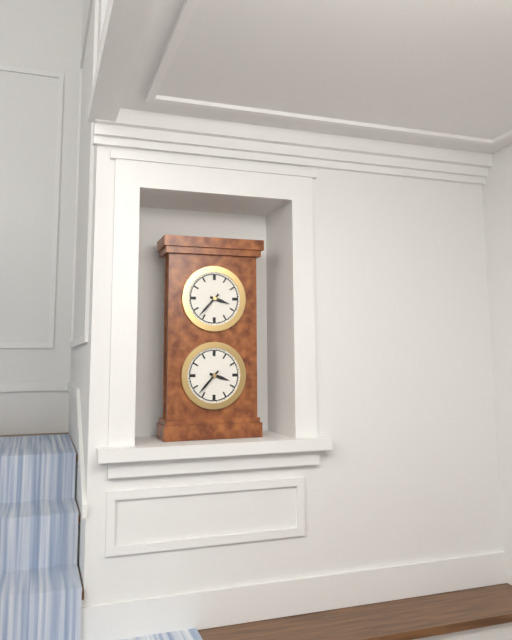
3:37
